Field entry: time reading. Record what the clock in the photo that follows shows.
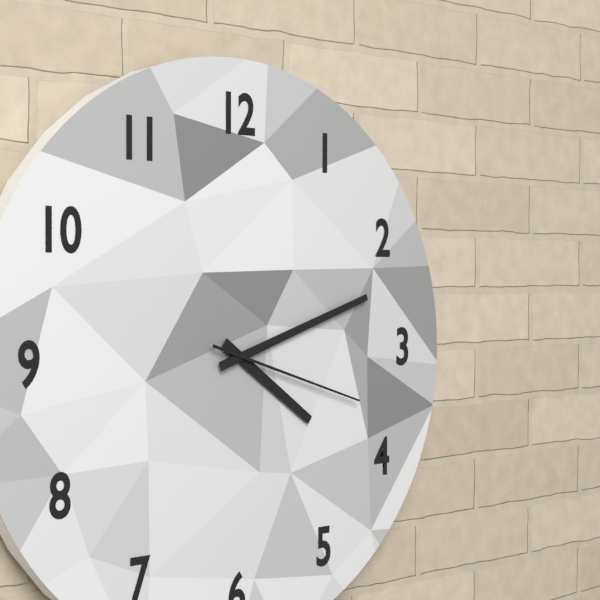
4:12:18
